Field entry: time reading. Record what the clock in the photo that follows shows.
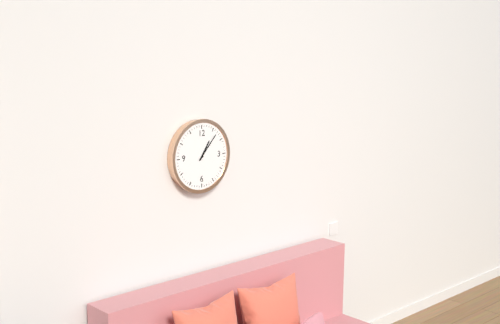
1:07
